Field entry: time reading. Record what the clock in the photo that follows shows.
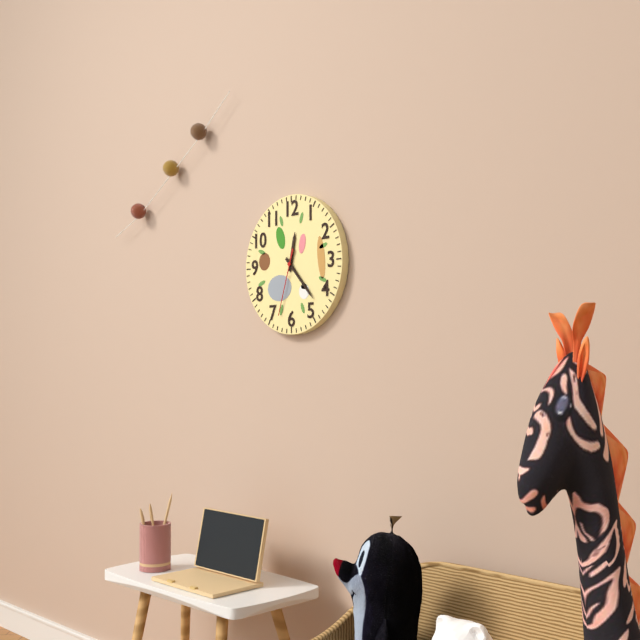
12:23:33
